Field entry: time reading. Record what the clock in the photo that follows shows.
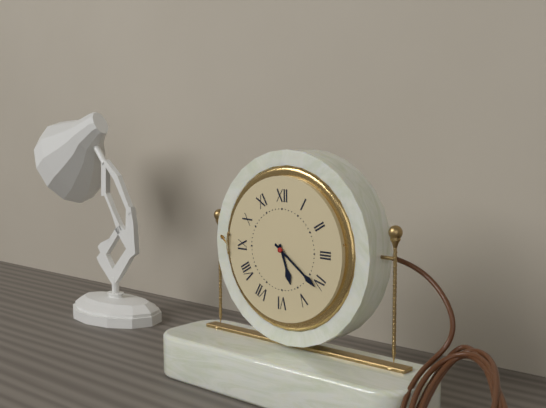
5:21
